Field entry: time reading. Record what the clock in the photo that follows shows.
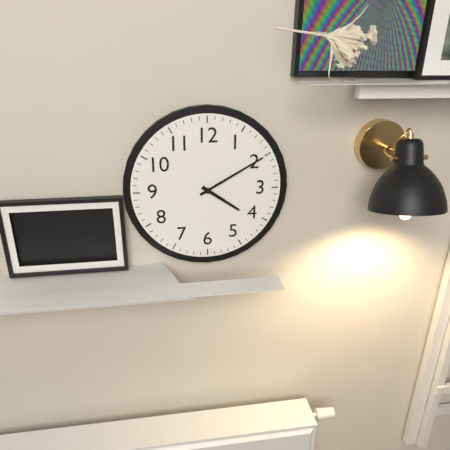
4:10
